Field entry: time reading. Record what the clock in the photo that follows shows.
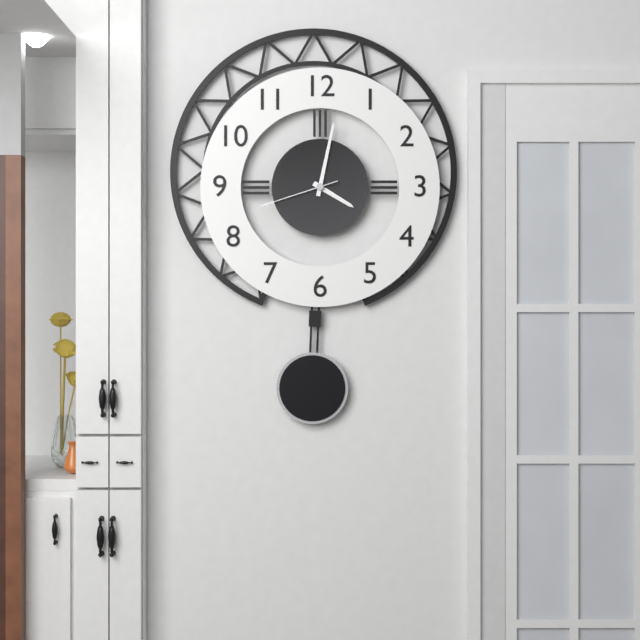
4:02:42
